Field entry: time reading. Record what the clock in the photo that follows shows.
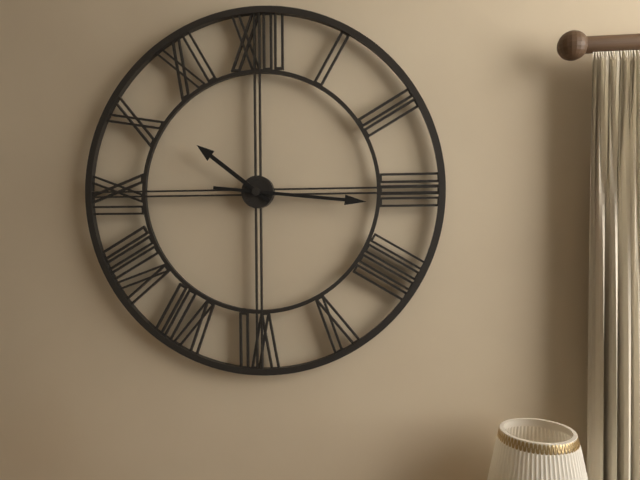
10:16
